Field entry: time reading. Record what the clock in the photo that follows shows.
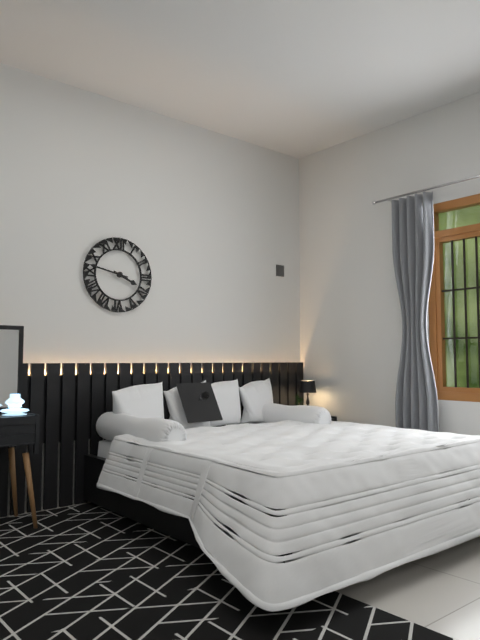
3:47
